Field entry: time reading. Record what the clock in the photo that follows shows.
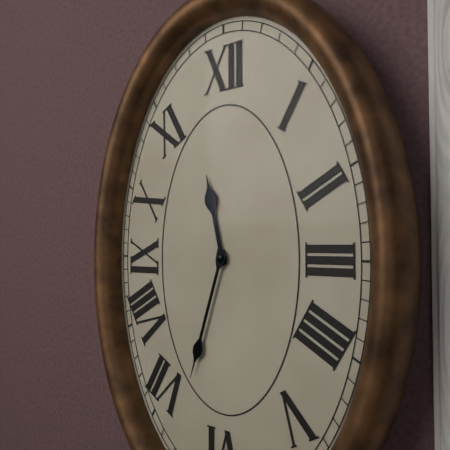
11:33
